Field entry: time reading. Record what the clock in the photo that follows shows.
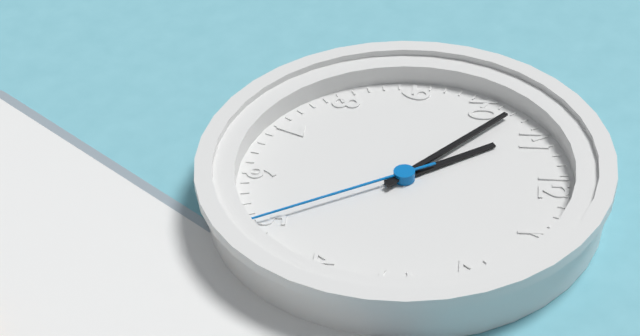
10:52:25
